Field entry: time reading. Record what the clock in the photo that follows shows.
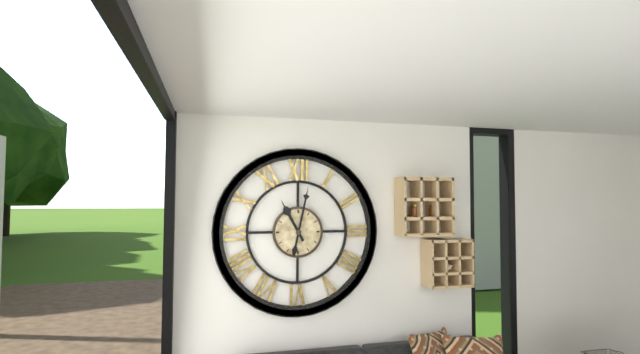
11:02
